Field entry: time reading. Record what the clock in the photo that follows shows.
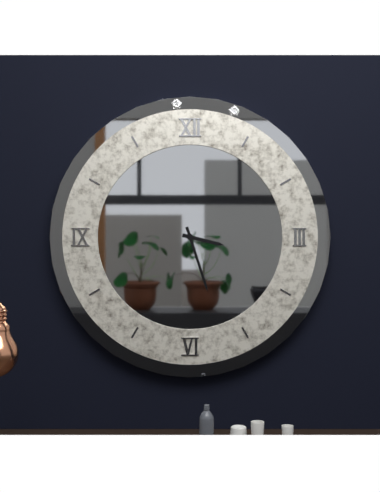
3:27
